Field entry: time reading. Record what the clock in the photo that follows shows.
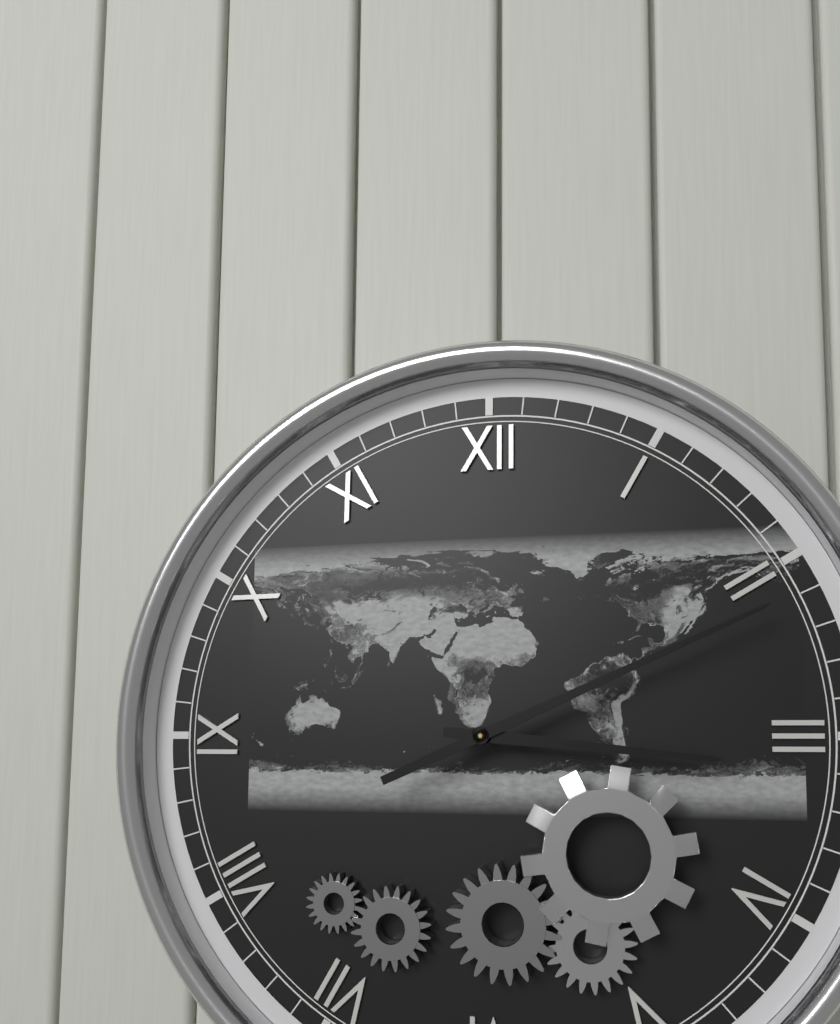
3:11
